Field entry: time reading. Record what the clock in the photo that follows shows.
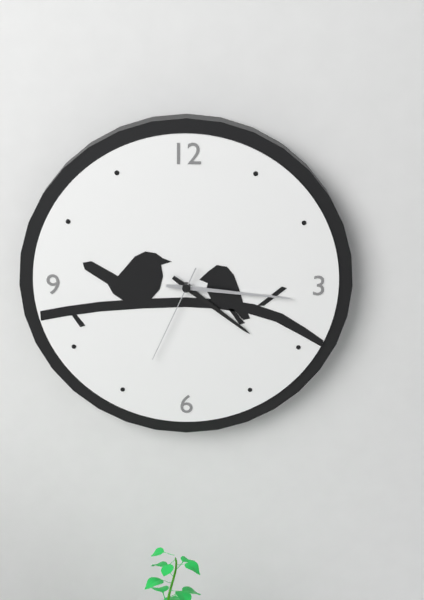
4:16:34
